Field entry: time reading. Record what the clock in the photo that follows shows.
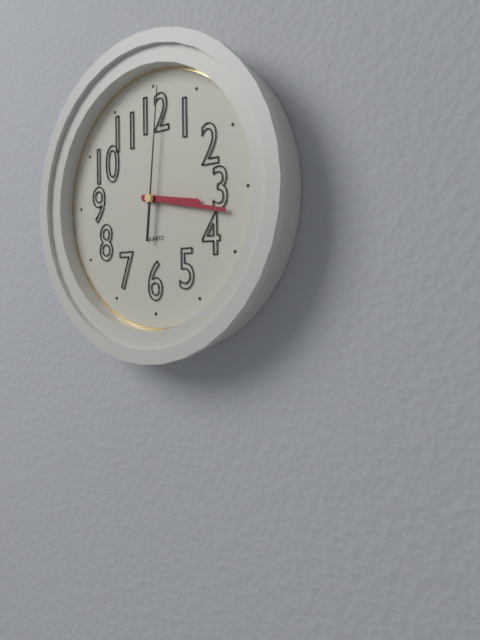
3:17:01
